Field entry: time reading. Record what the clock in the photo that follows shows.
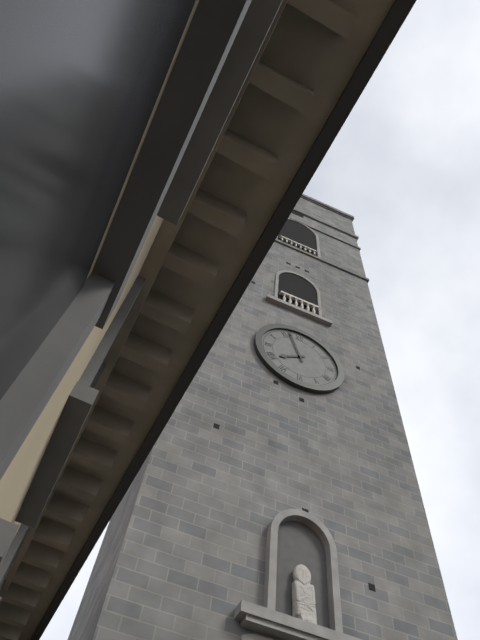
7:57
